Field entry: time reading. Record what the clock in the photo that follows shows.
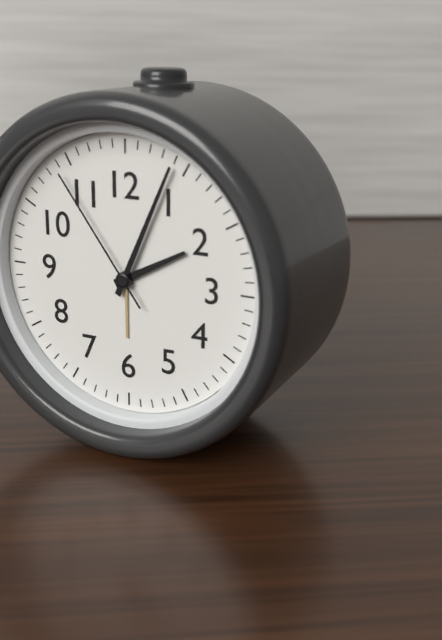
2:04:54
